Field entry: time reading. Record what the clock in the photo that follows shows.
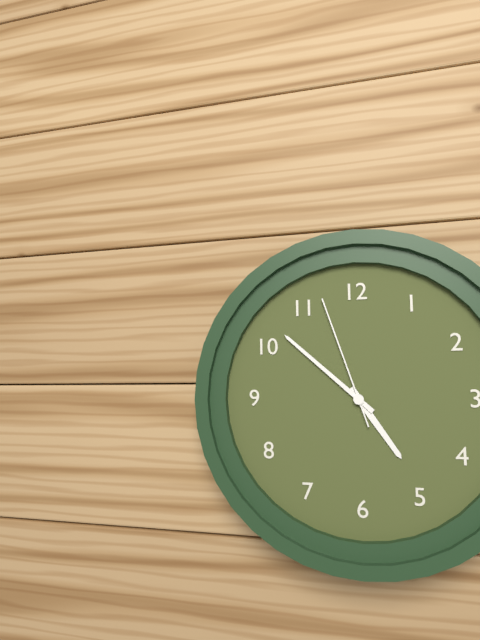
4:52:57
